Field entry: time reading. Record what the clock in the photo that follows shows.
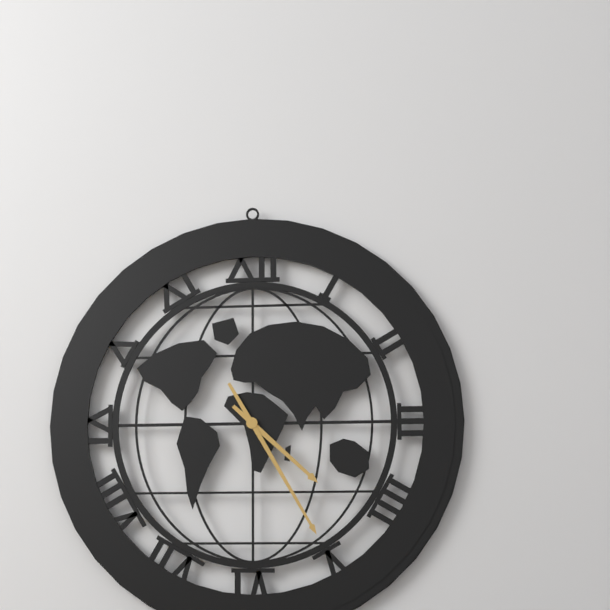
4:25
